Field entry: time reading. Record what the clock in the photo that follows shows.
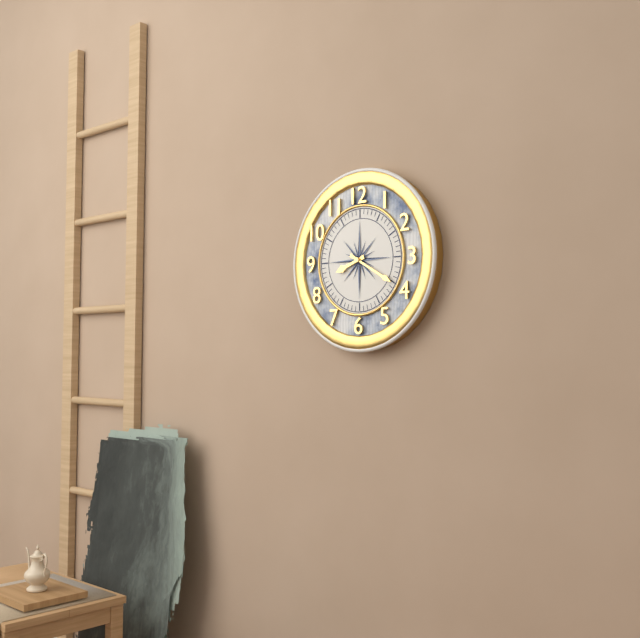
8:20
